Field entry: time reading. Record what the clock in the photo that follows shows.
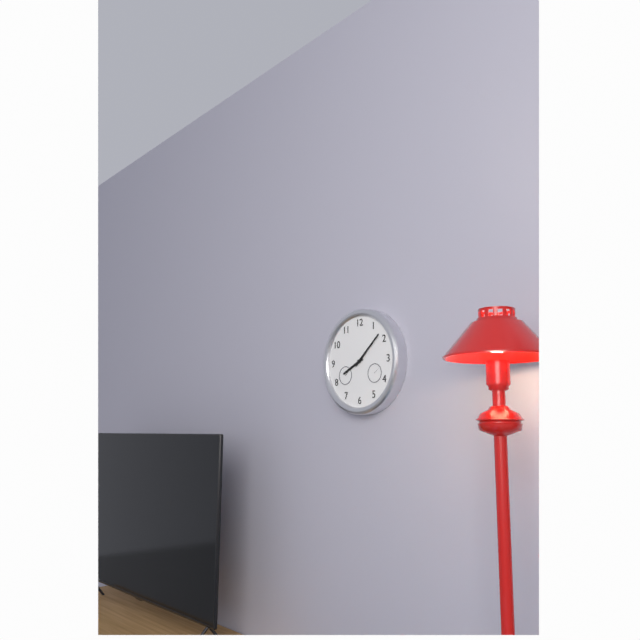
8:08
